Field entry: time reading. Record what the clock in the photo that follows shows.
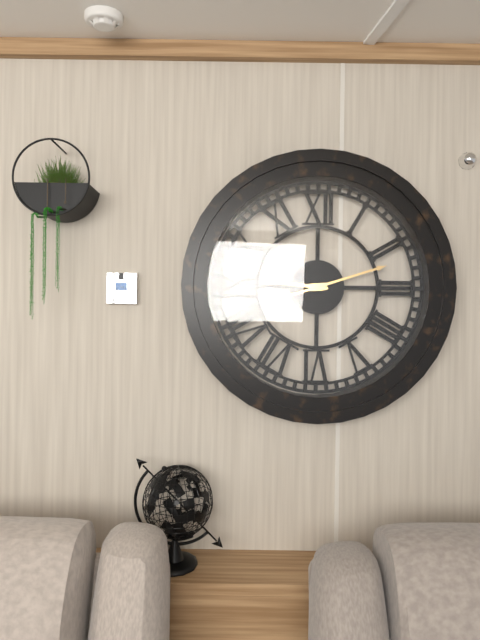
9:12
